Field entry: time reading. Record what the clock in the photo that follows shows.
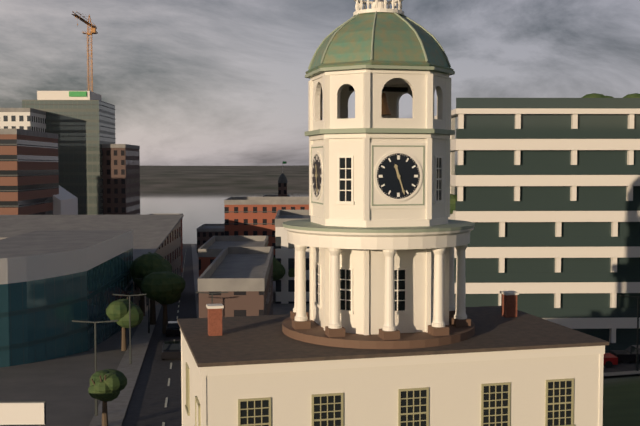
11:27
